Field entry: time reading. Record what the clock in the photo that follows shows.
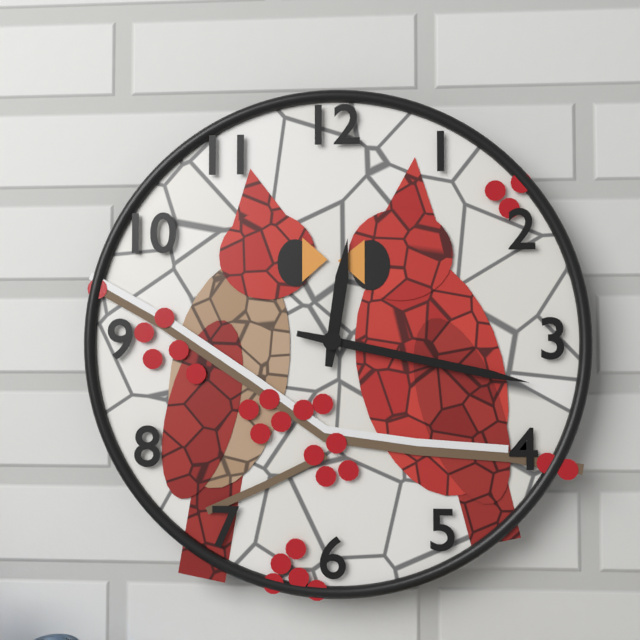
12:17
